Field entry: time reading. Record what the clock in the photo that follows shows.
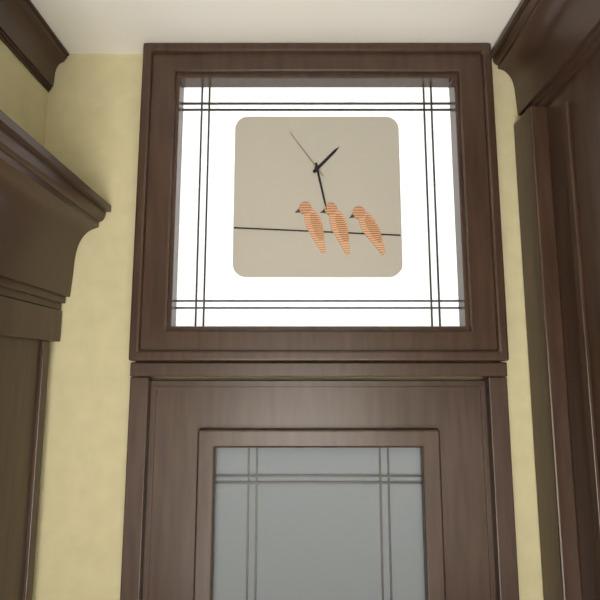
1:28:54
